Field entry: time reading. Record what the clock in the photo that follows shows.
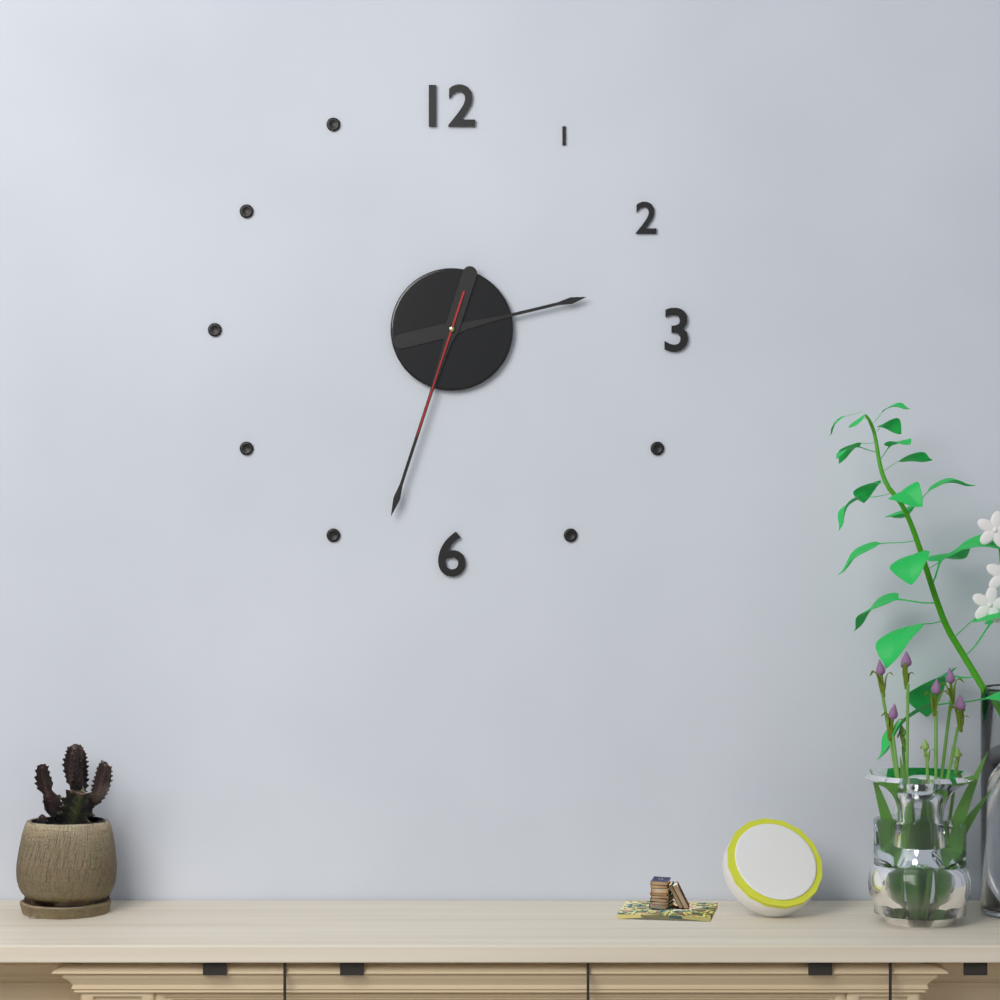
2:33:33
